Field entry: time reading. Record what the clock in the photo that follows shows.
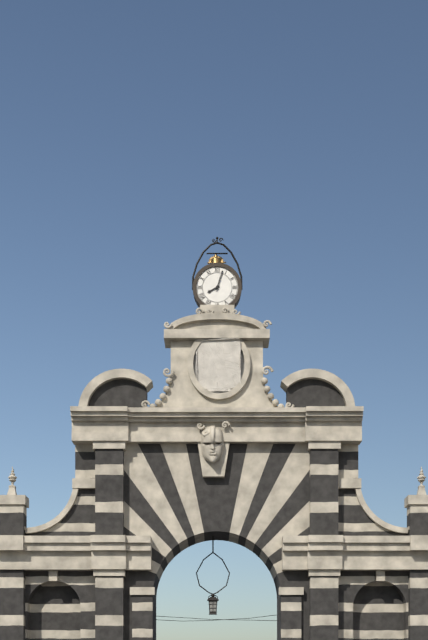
8:03
